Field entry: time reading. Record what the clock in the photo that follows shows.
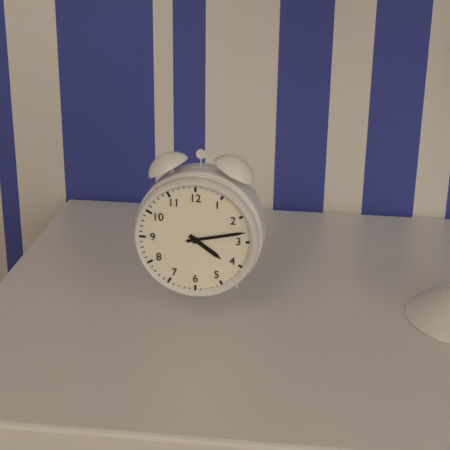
4:13
